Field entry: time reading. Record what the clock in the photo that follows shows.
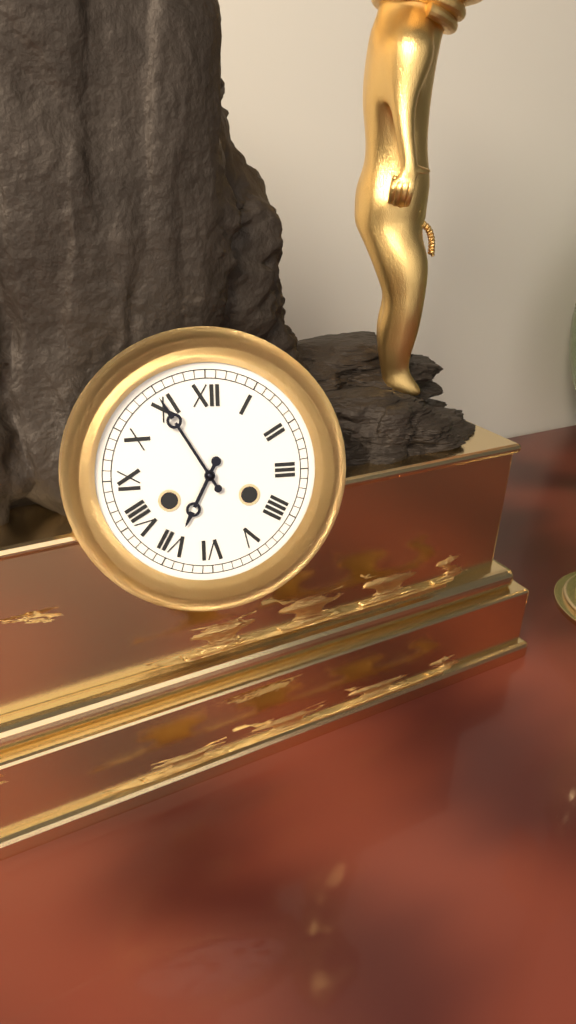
6:55
